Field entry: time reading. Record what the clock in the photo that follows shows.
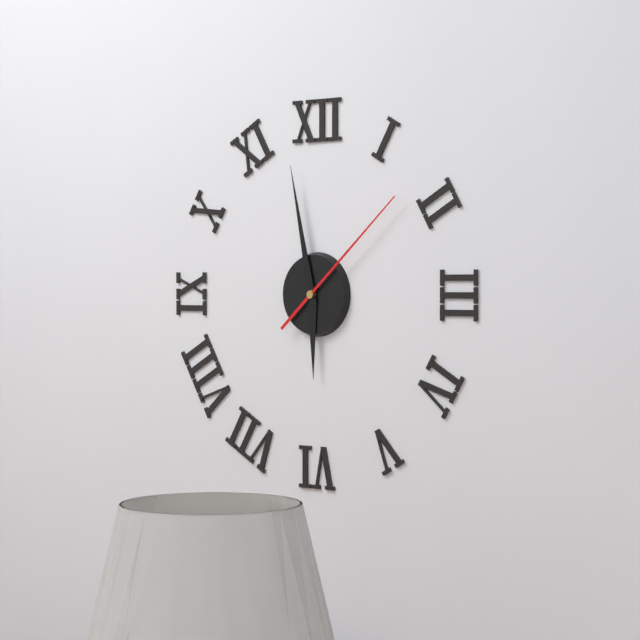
5:58:08
